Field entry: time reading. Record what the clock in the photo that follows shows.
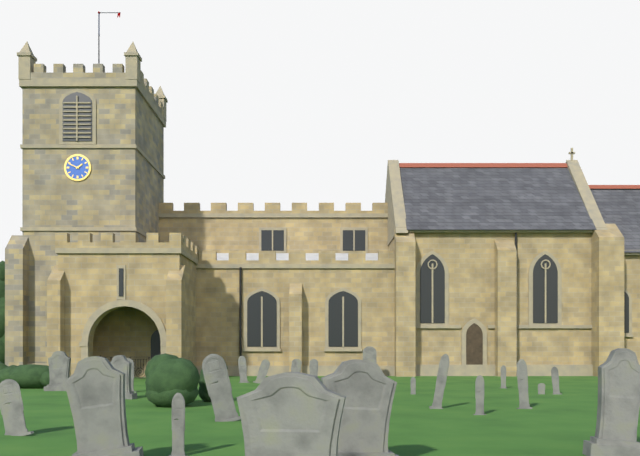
1:49
